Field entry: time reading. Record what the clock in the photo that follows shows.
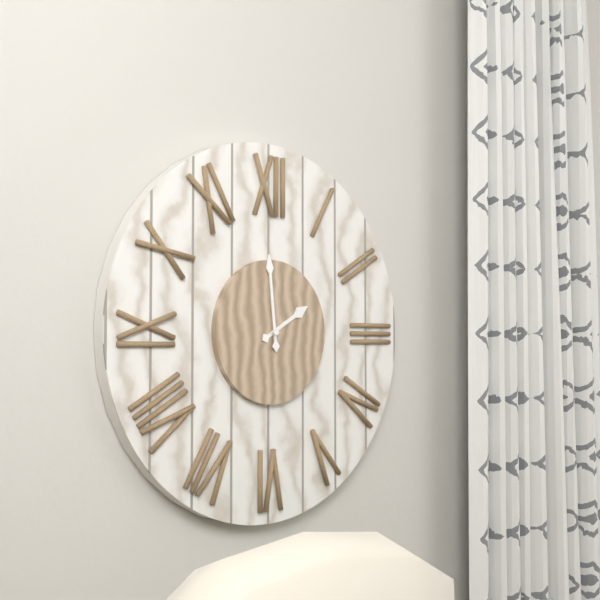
1:59
